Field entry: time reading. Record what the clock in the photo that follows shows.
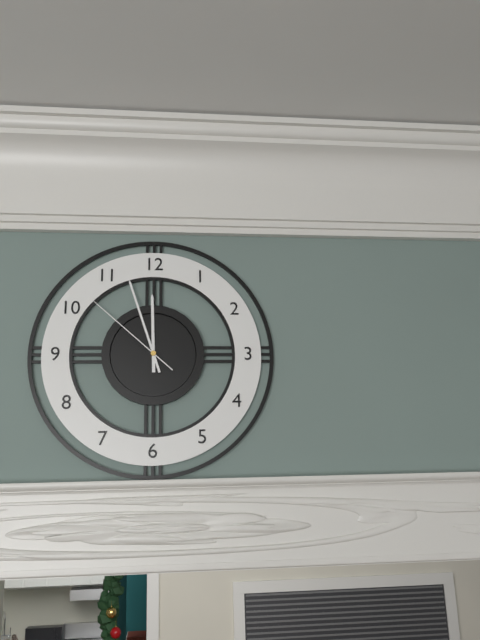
11:57:52
